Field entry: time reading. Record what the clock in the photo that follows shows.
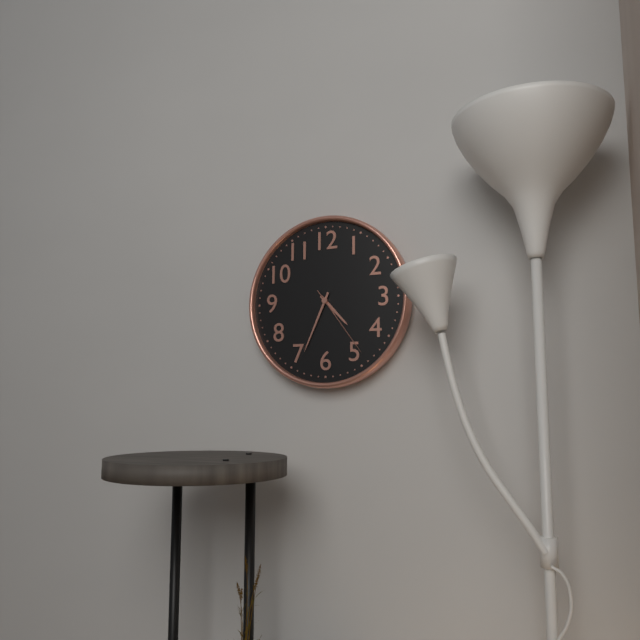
4:34:24
